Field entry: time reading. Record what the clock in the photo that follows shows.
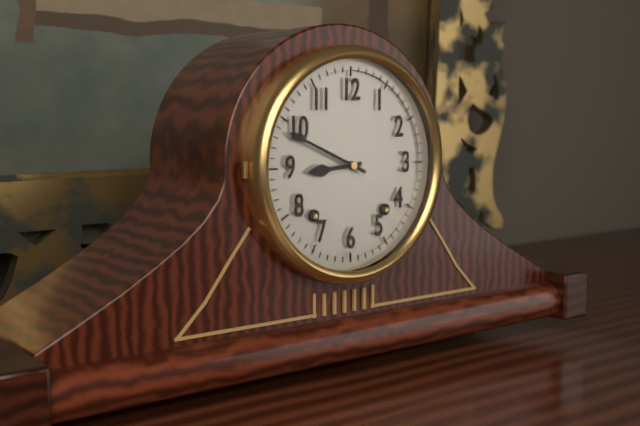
8:49
